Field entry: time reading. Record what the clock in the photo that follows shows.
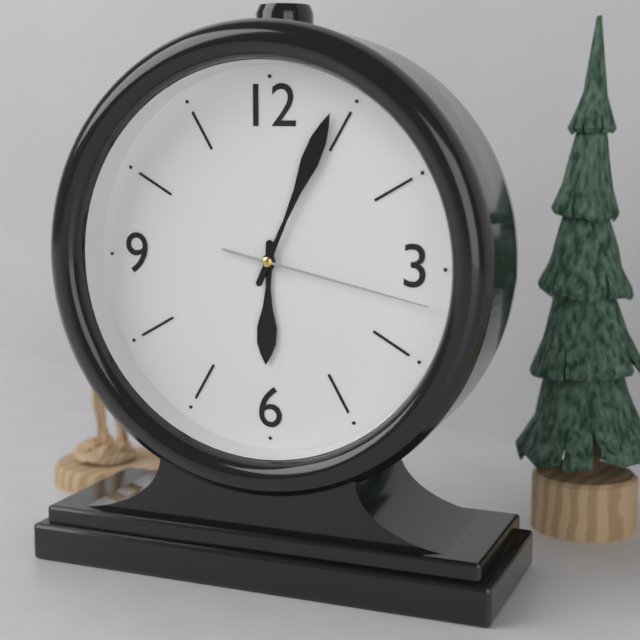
6:04:17
